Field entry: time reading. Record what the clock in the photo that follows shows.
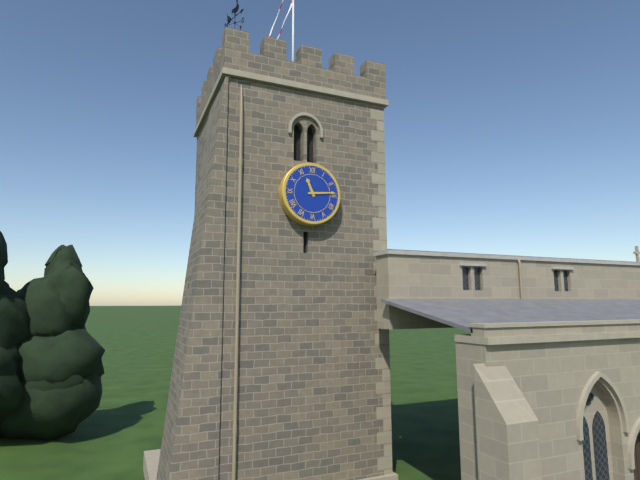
11:14
